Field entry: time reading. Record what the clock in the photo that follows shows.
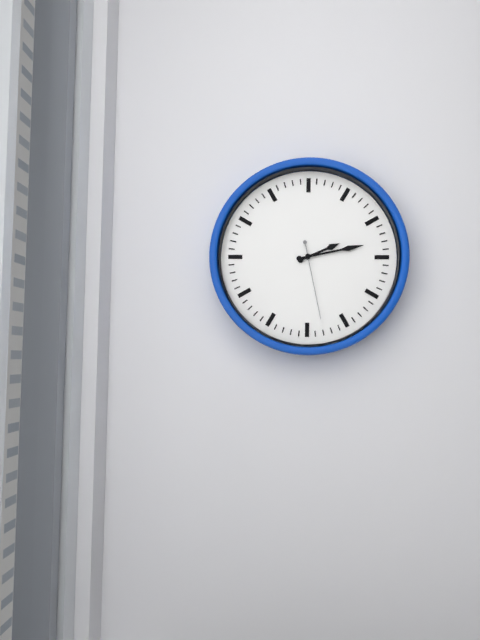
2:13:28
